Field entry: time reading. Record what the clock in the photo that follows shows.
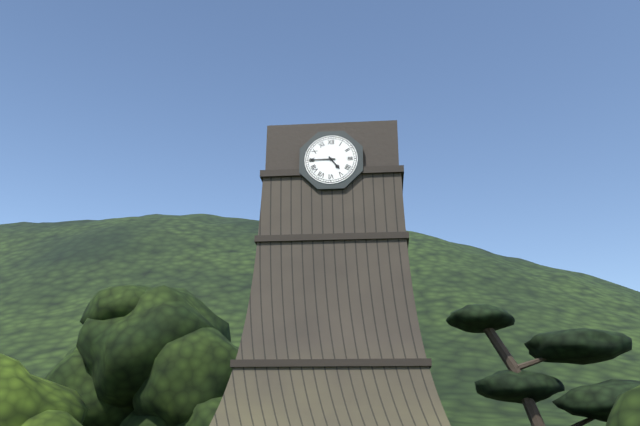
4:45
